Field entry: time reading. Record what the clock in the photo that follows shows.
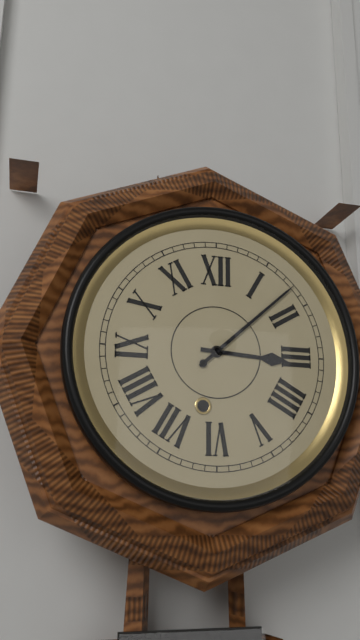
3:08
